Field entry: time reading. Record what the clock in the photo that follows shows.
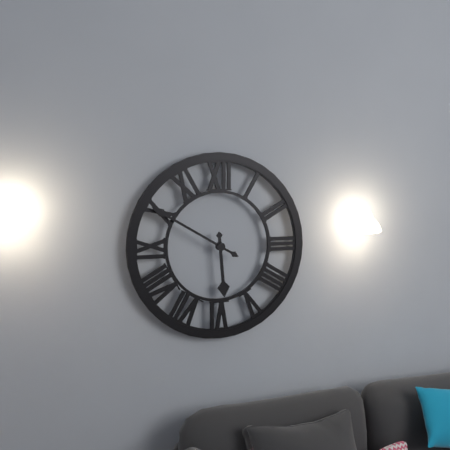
5:50
